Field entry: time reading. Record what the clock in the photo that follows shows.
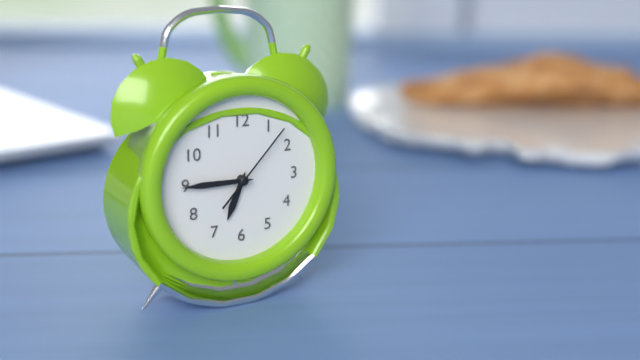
6:45:07
